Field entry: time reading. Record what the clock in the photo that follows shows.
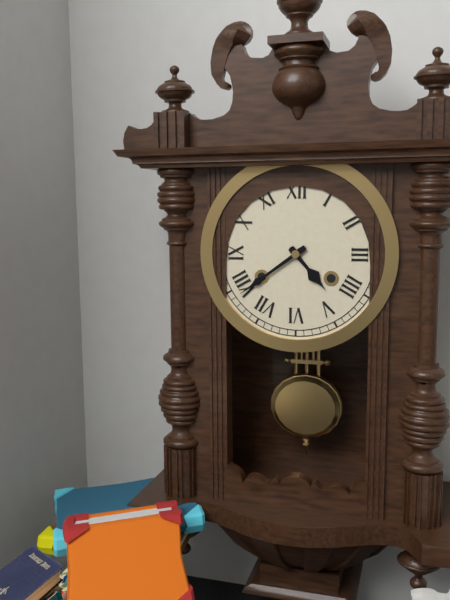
4:39
